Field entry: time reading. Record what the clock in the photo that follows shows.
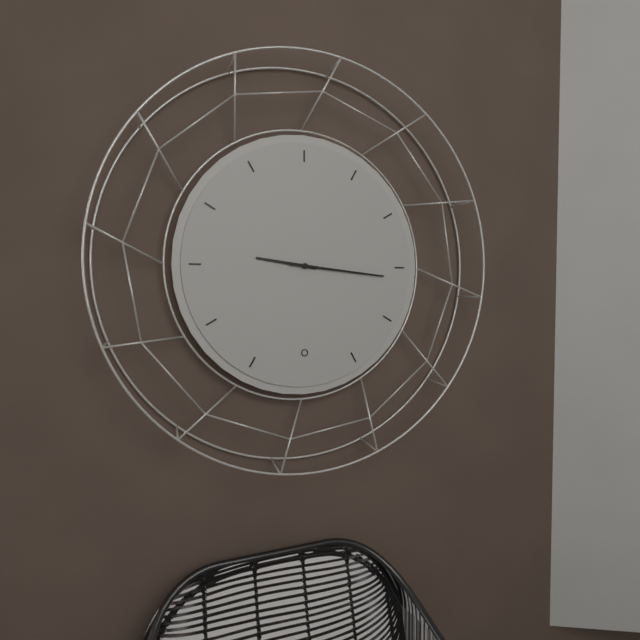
9:16
